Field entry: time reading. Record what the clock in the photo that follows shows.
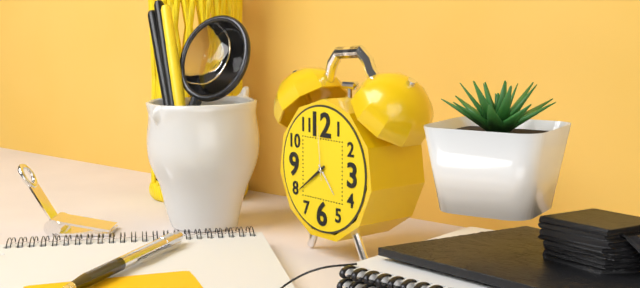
4:39:59
